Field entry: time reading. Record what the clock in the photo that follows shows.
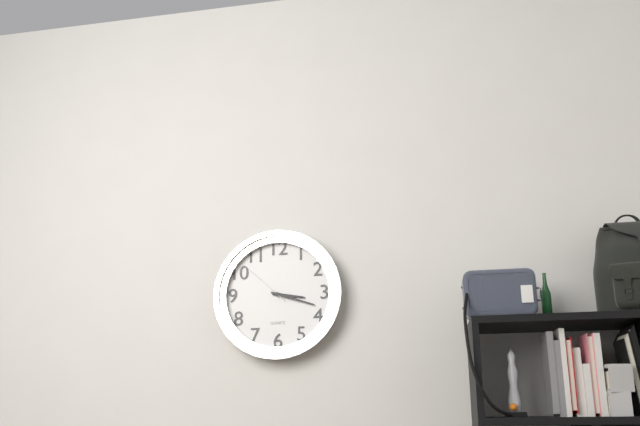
3:18:52
